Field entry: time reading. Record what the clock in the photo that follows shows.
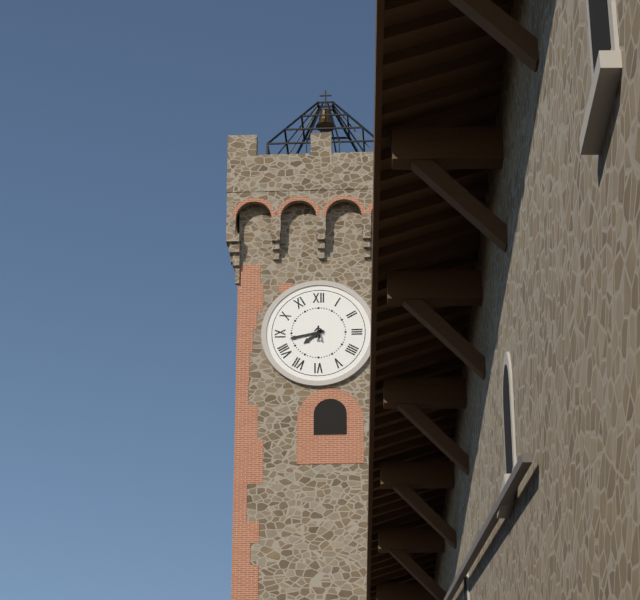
7:43
